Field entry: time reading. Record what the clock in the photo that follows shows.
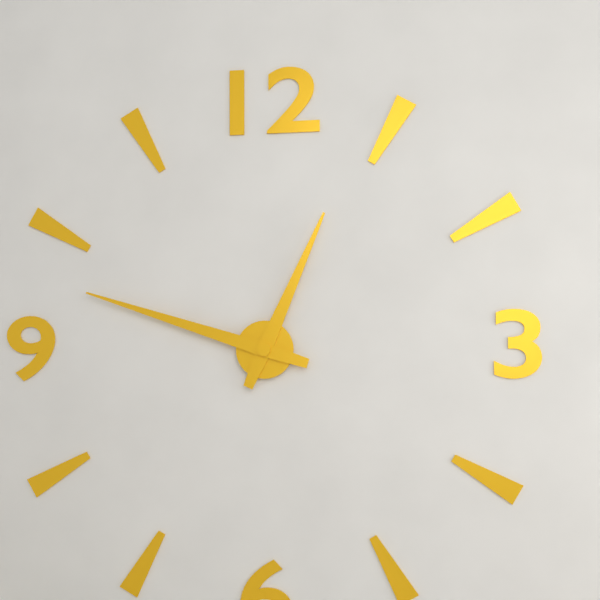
12:48
